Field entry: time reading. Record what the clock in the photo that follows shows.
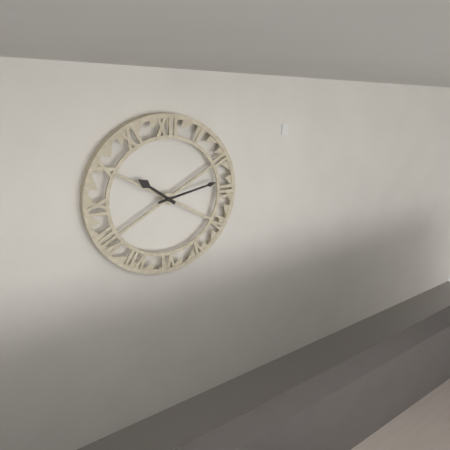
10:13
